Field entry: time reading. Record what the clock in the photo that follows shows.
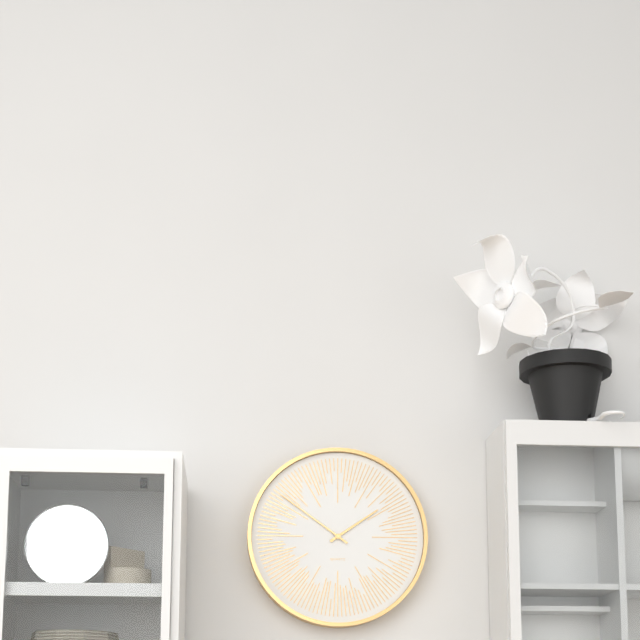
1:51
